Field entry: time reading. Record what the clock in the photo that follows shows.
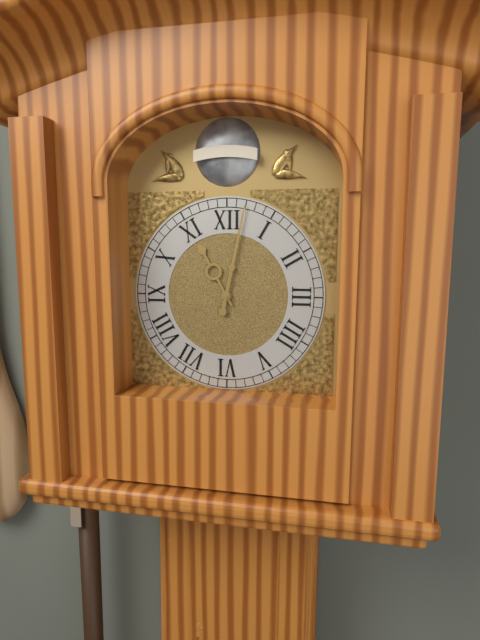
11:02
